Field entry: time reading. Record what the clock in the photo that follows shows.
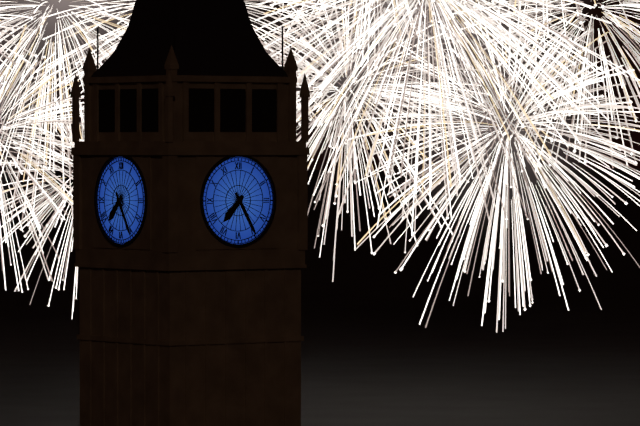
7:25
